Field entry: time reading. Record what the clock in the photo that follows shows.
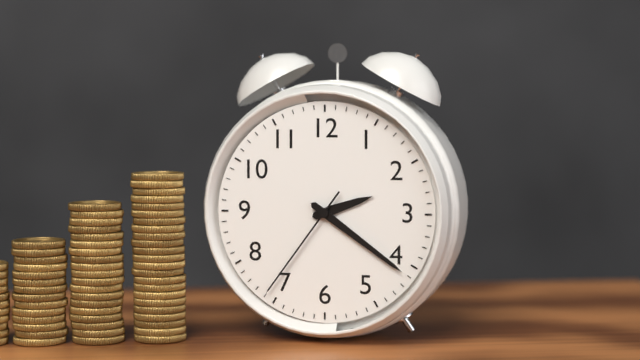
2:21:36
